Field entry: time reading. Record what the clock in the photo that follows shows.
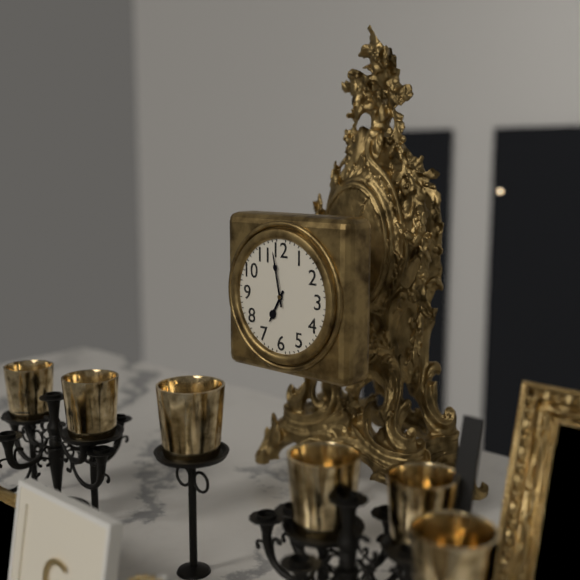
6:58
